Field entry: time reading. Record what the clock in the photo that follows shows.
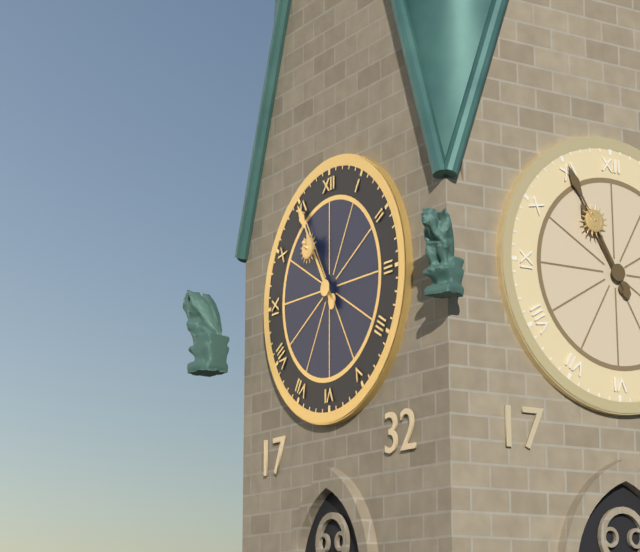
10:55
